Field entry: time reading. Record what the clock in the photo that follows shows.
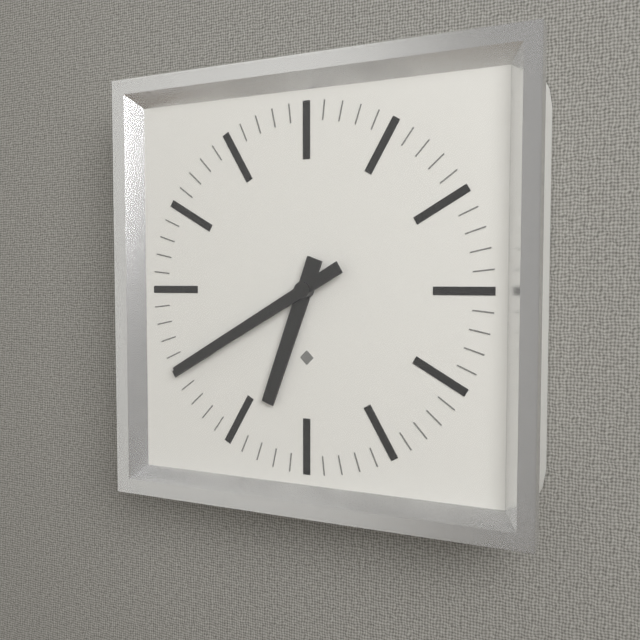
6:40
